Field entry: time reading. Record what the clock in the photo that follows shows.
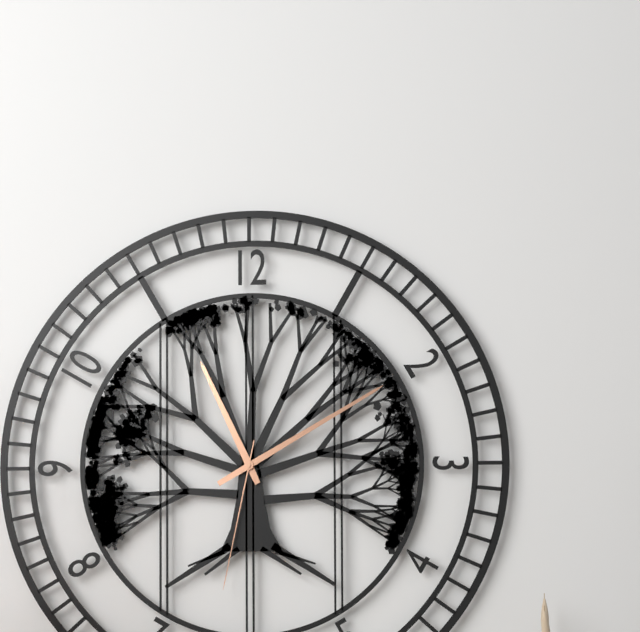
11:10:32
